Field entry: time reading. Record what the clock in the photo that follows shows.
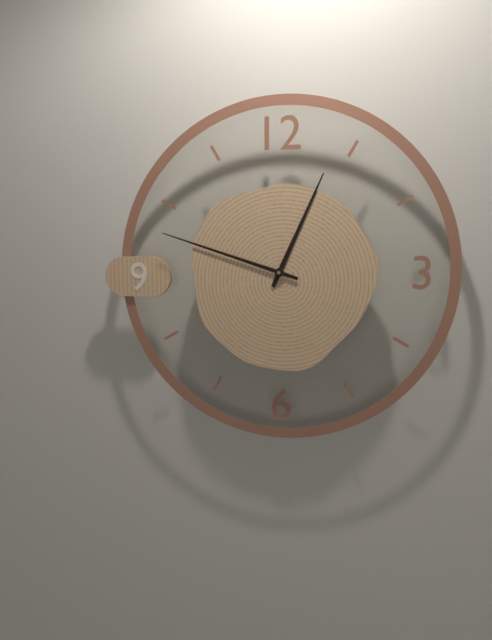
12:48
